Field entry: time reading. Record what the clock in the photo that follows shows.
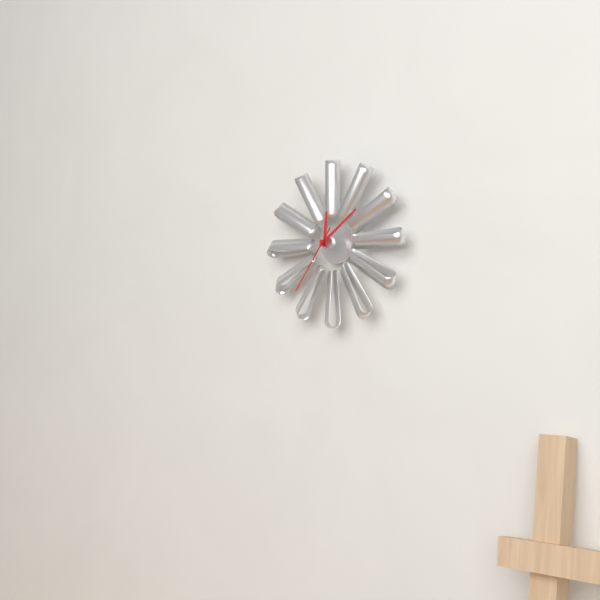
12:09:36
